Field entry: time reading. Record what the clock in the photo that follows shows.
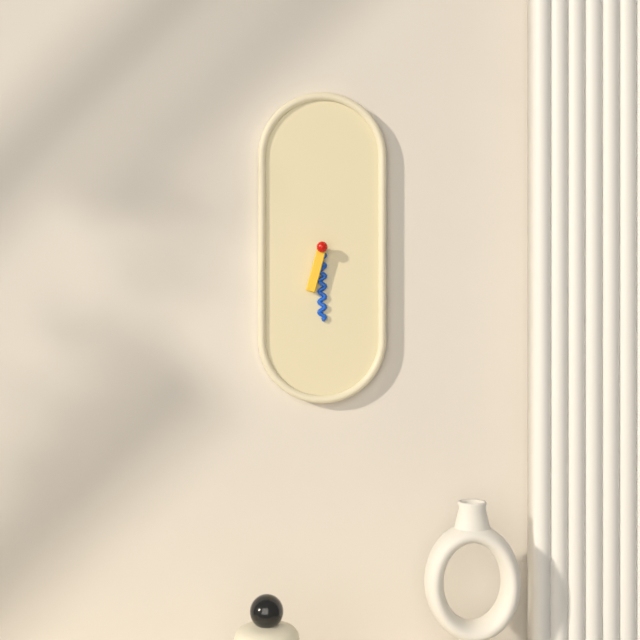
6:30
